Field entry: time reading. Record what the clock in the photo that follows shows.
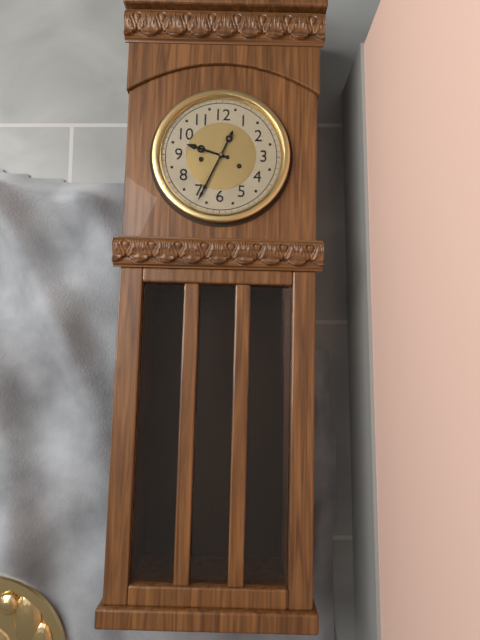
9:34
